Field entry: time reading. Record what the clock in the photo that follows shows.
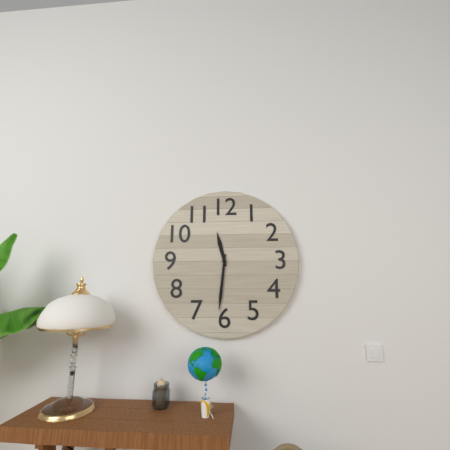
11:31
